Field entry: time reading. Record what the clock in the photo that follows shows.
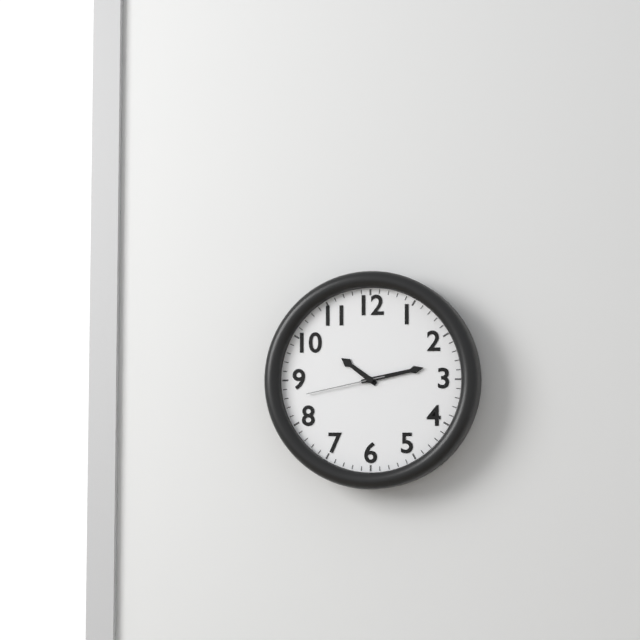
10:13:43
